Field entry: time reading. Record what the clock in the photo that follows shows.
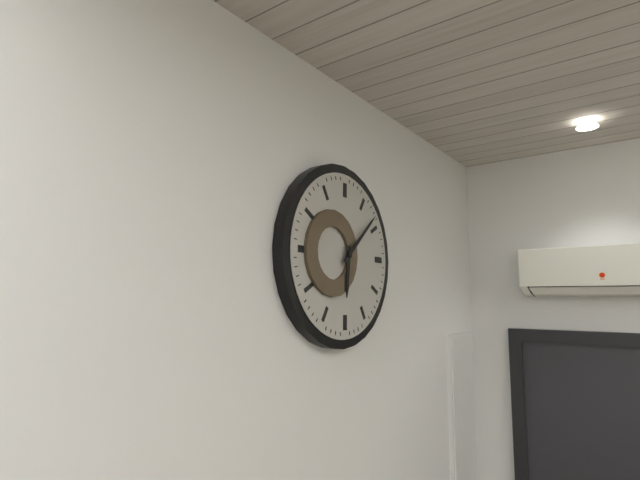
6:08
